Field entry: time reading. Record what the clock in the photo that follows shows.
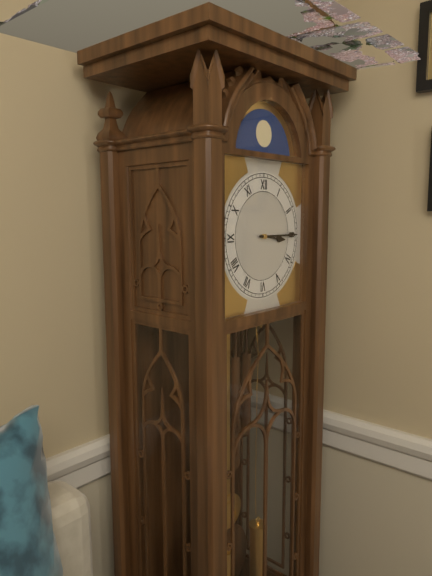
3:15
